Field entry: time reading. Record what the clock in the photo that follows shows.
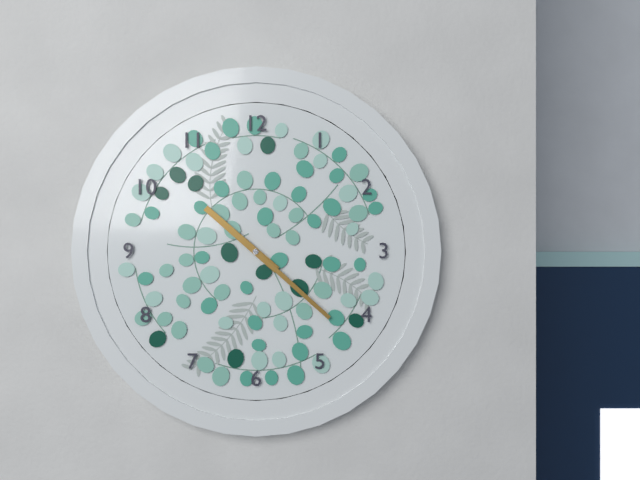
10:22
